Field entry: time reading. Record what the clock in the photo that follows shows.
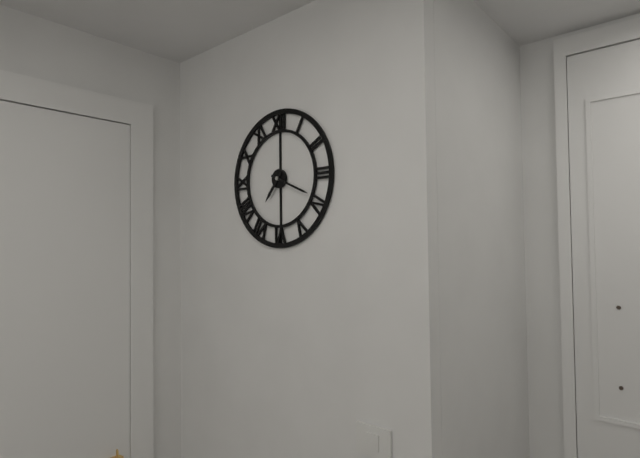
7:19
